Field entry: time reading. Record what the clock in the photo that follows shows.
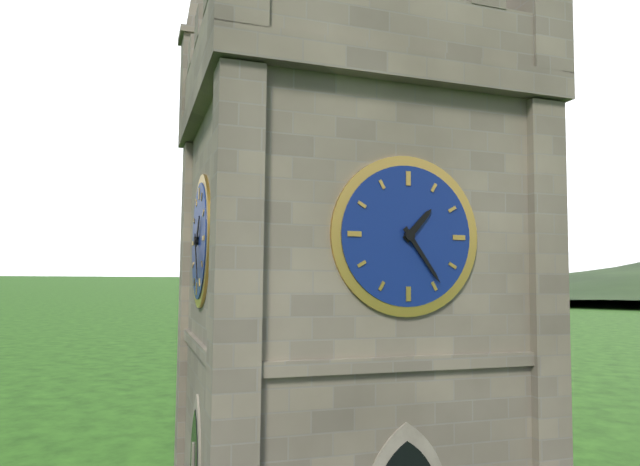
1:24
